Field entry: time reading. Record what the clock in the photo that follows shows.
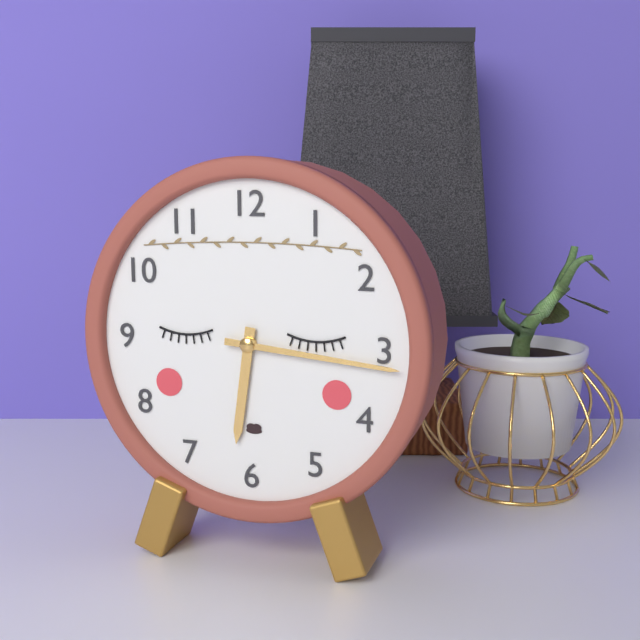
6:16
